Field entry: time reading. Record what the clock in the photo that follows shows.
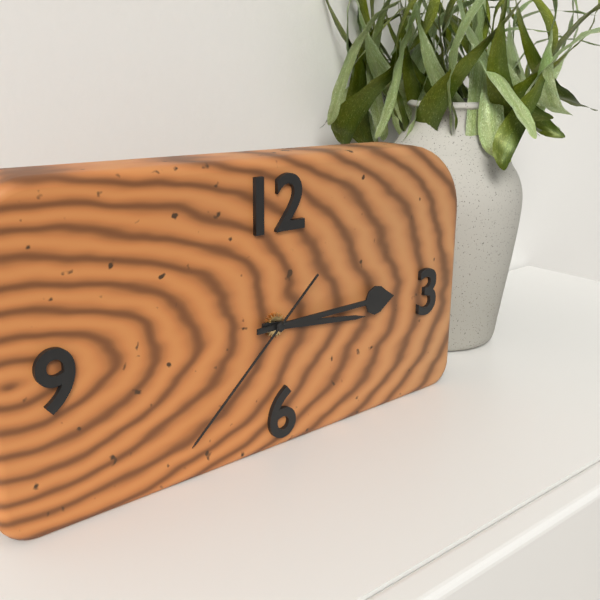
3:15:38
